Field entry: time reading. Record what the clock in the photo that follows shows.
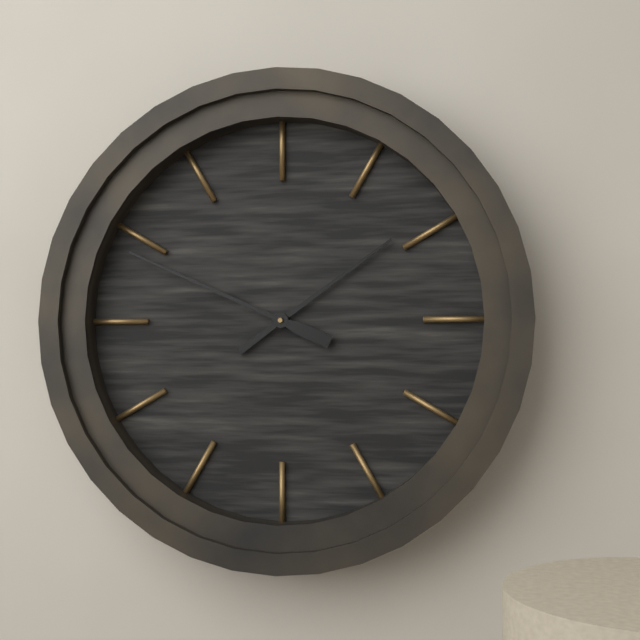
1:49
